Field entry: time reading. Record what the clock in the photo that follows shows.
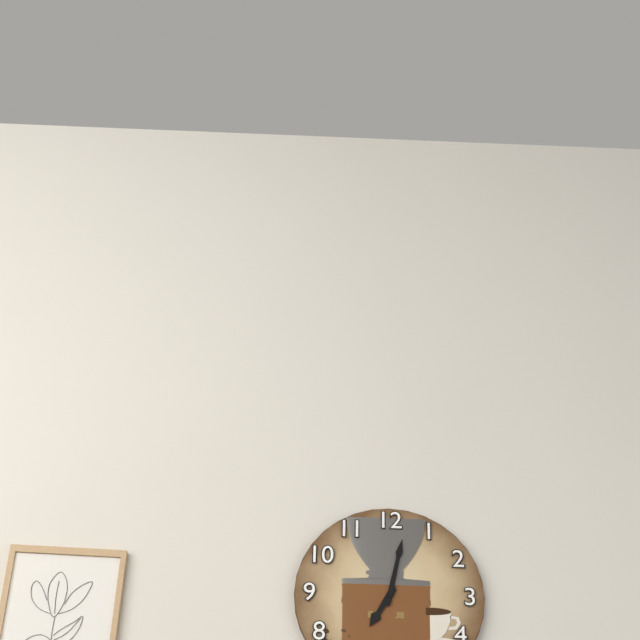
7:02
